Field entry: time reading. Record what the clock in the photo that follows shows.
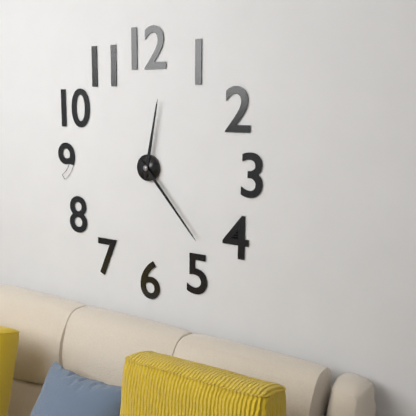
12:23
